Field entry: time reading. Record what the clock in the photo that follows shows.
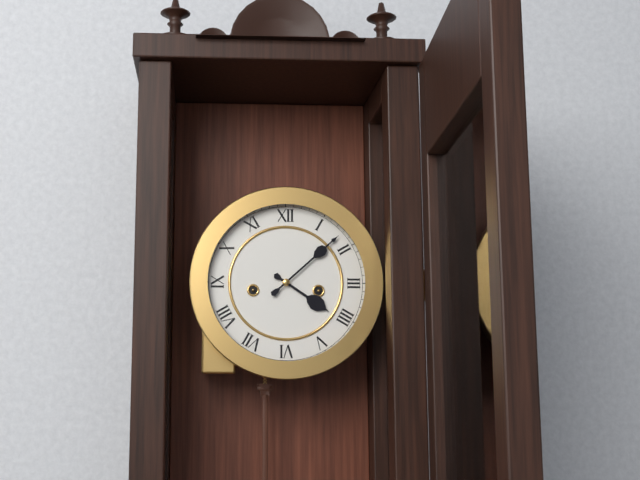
4:08
